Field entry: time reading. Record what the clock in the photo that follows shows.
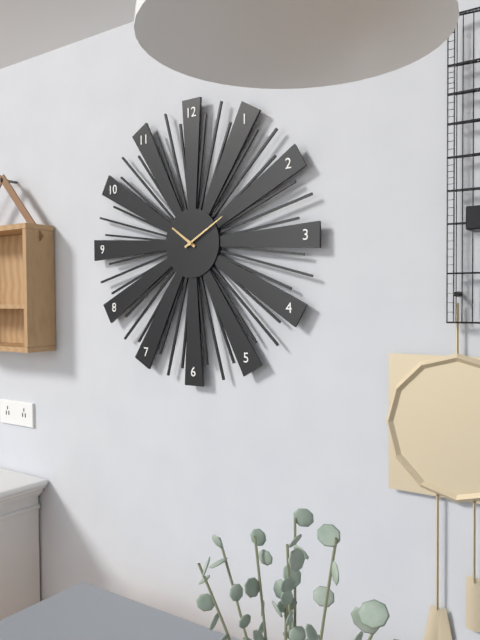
10:10
